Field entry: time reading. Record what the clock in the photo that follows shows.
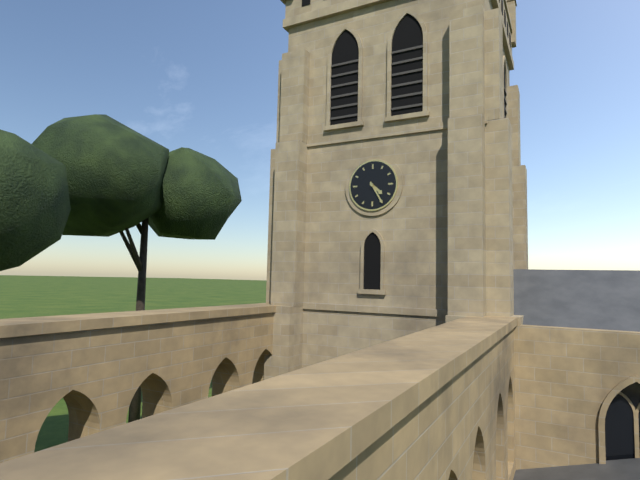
4:25
